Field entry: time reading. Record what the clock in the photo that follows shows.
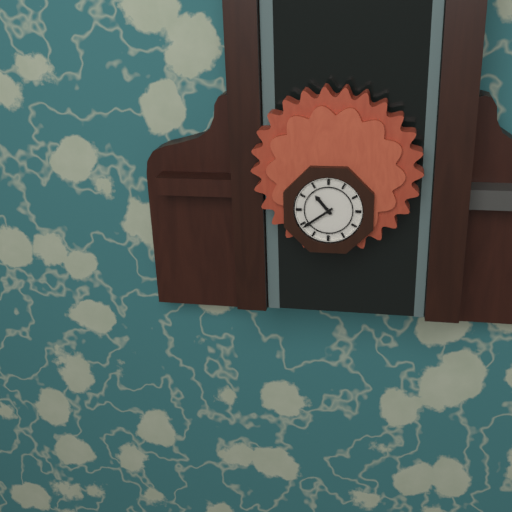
10:39
